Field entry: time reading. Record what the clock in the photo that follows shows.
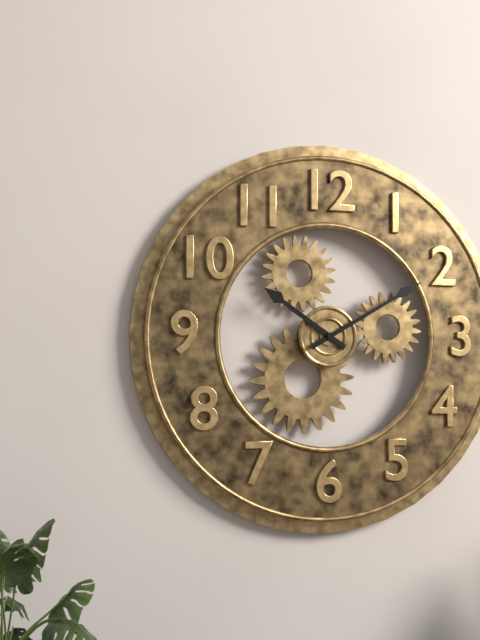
10:10
